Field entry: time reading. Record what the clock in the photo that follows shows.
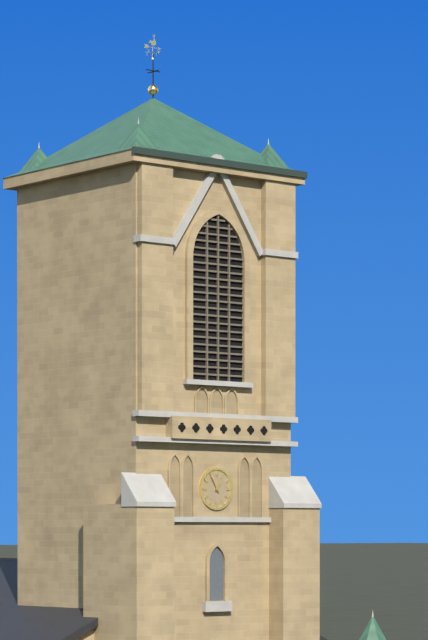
12:55
